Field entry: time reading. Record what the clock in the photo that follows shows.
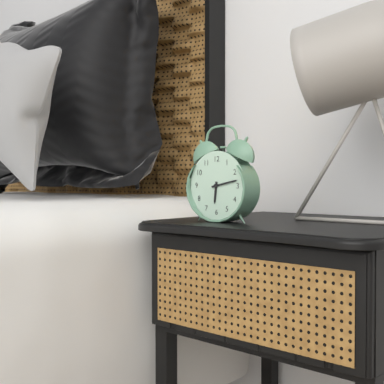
6:13
